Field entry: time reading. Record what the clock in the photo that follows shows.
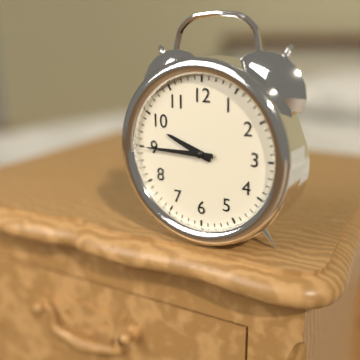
9:45
